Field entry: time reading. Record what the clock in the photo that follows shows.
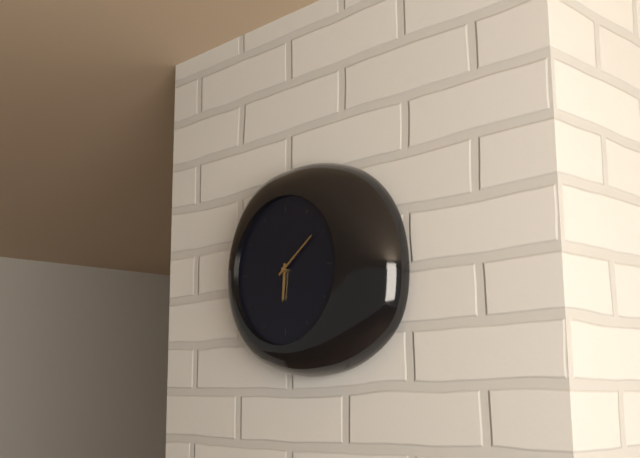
6:09
